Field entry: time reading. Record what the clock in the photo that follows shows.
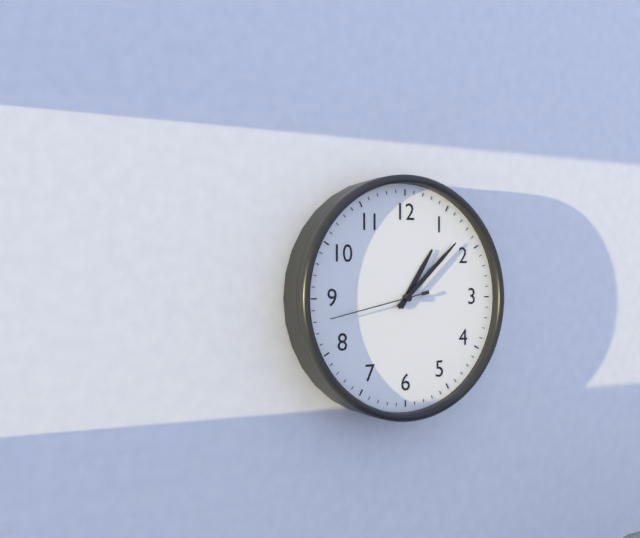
1:08:43
